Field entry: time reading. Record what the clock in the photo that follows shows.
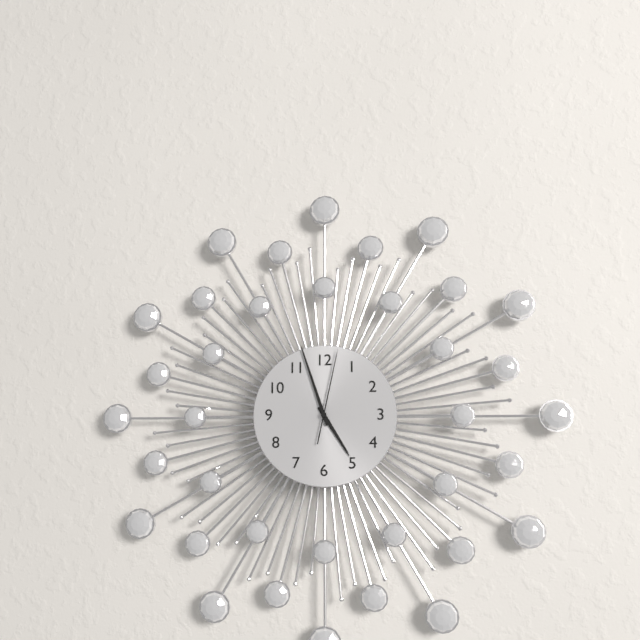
4:57:02
